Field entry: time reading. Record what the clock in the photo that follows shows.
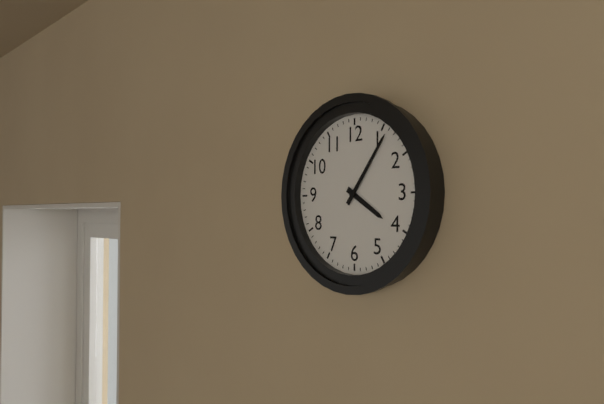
4:06
